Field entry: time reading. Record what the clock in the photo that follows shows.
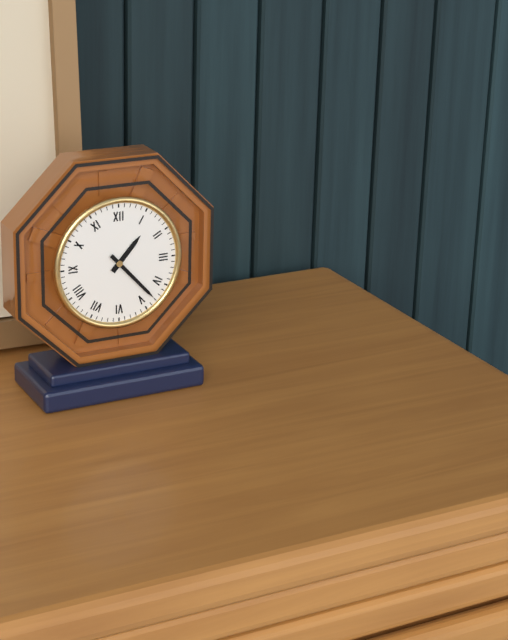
1:23
